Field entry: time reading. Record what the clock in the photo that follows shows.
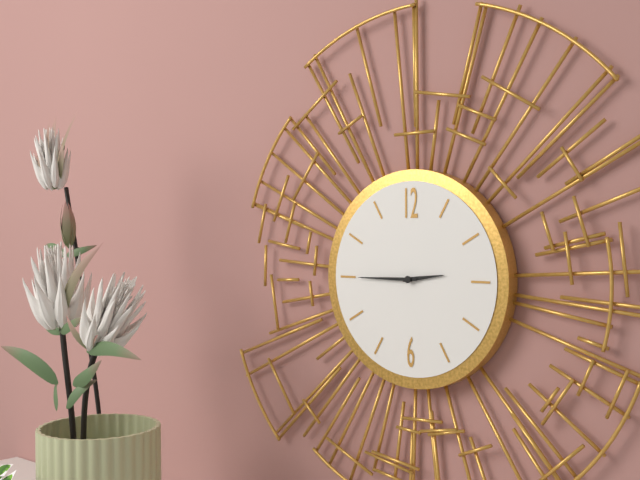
2:45
